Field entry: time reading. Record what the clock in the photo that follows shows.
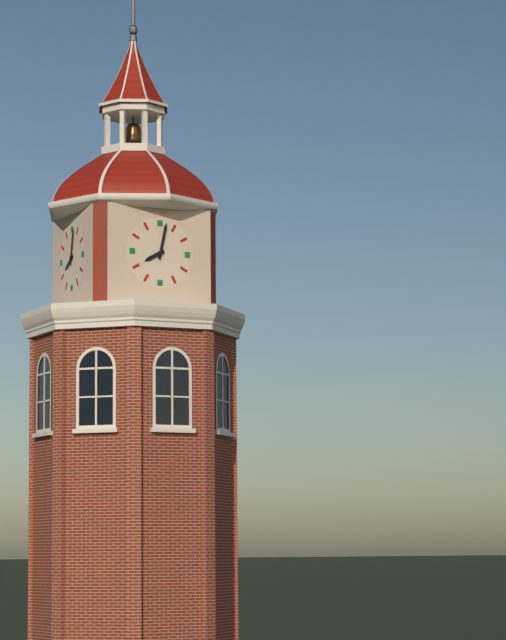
8:02
